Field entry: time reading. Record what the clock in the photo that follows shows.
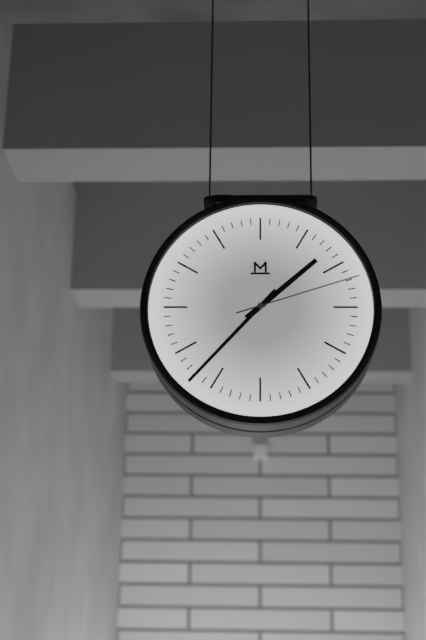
1:37:12
